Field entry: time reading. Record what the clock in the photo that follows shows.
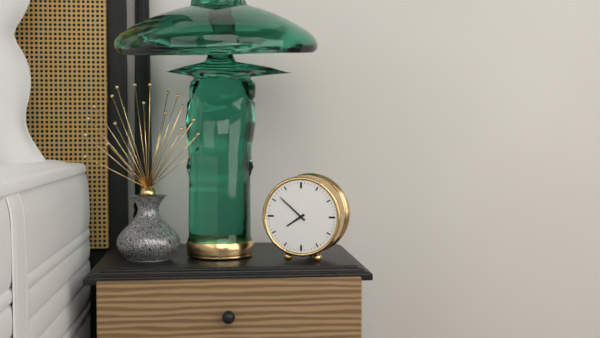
7:52
